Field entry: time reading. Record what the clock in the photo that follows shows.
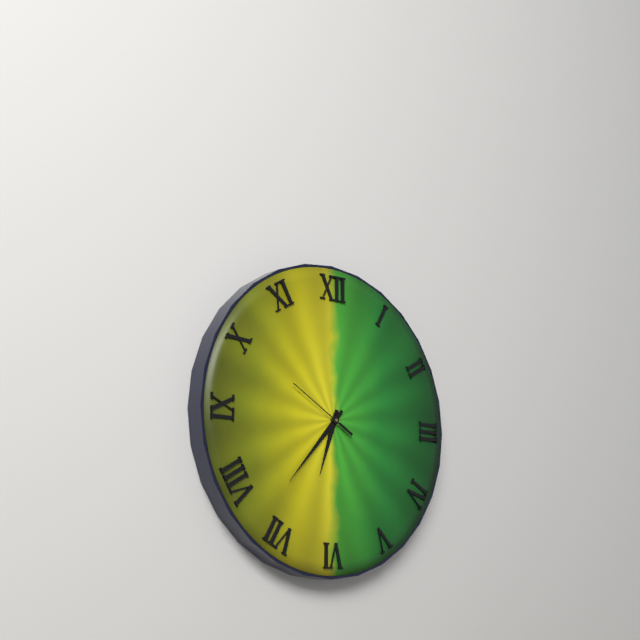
6:37:50
